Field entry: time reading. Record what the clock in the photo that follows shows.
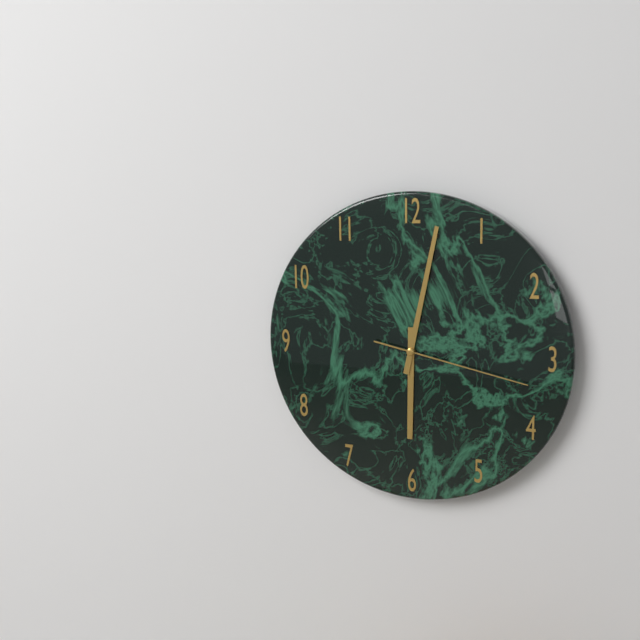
6:02:17
